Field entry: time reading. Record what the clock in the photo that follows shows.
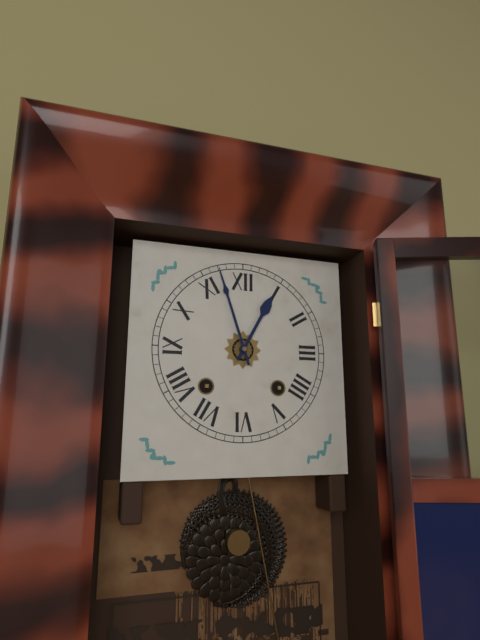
12:57
